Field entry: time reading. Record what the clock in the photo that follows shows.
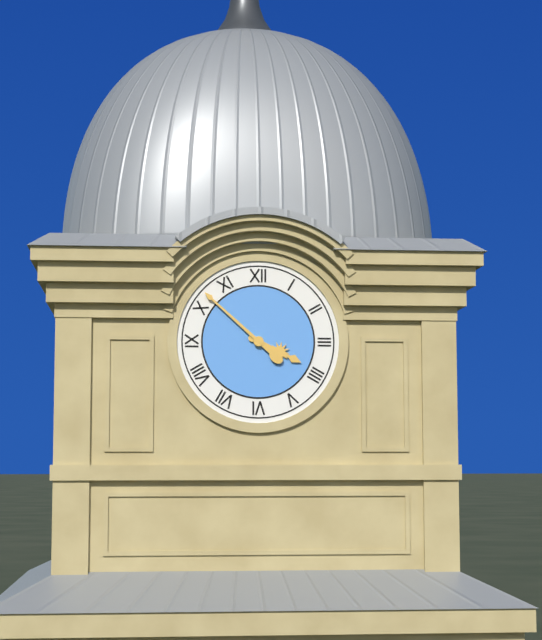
3:52
